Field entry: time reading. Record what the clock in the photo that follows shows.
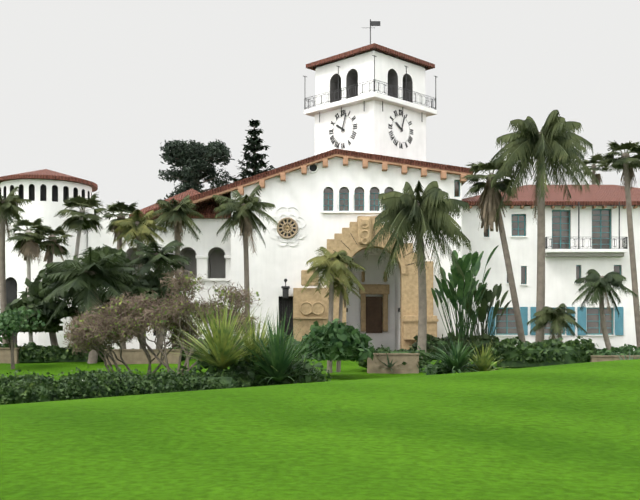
10:03
